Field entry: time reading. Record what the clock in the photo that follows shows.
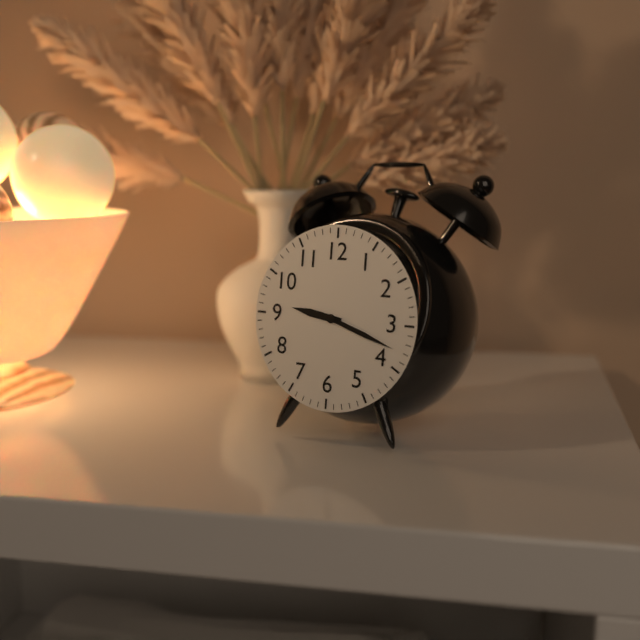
9:18
